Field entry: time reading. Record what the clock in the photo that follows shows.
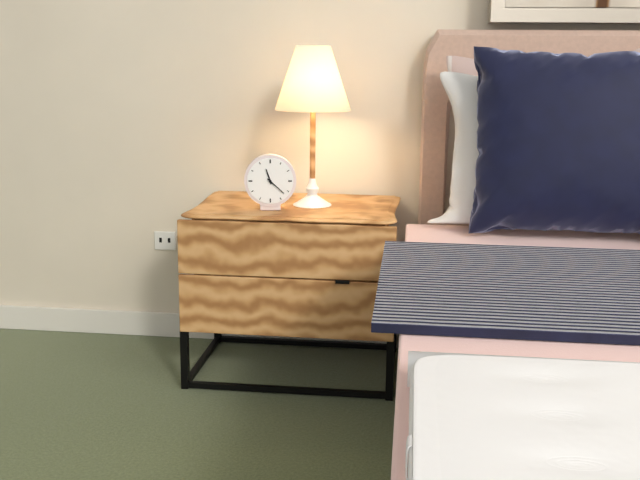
11:22
